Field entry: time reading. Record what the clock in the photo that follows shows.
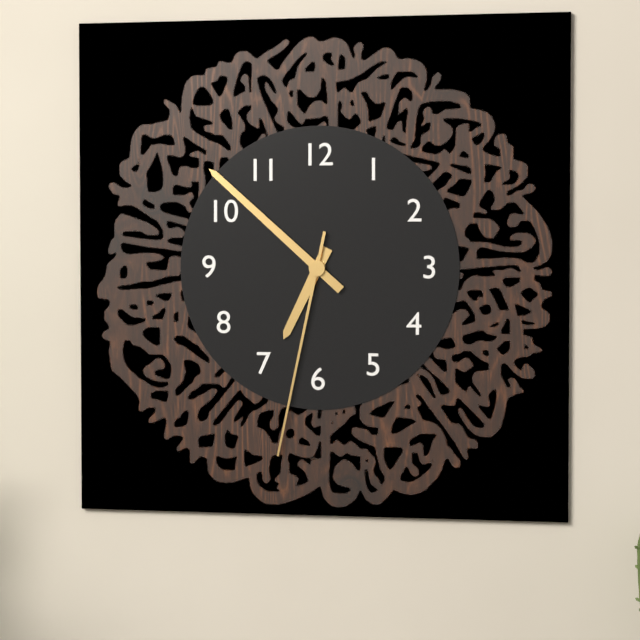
6:52:32
